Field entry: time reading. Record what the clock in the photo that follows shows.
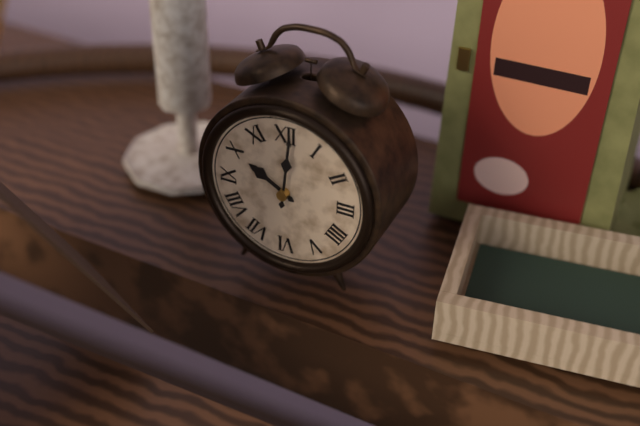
10:01
